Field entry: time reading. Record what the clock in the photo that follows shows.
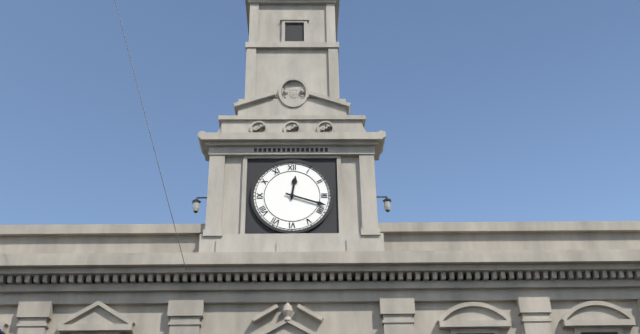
12:18
